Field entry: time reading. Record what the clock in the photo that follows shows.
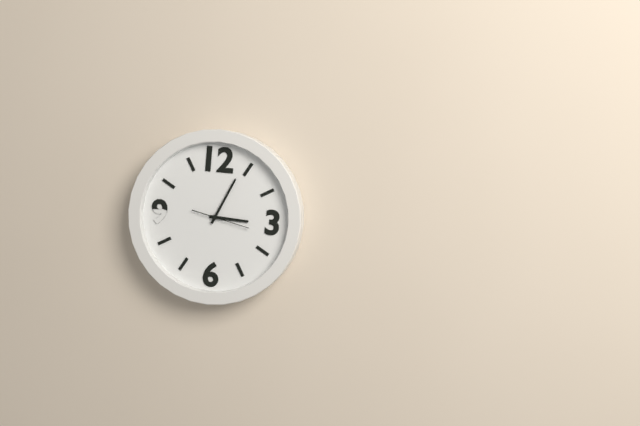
3:04
